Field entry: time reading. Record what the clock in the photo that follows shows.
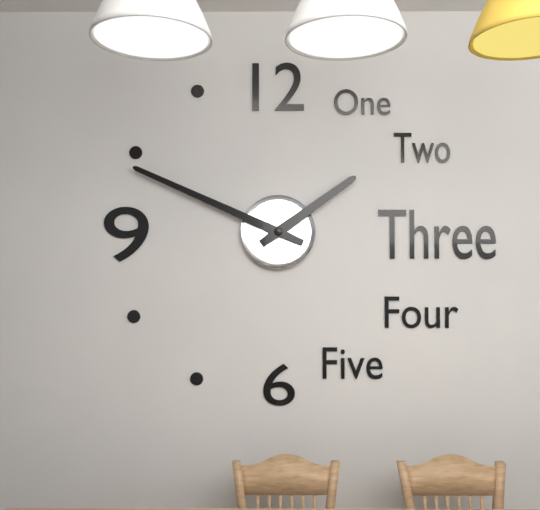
1:49
